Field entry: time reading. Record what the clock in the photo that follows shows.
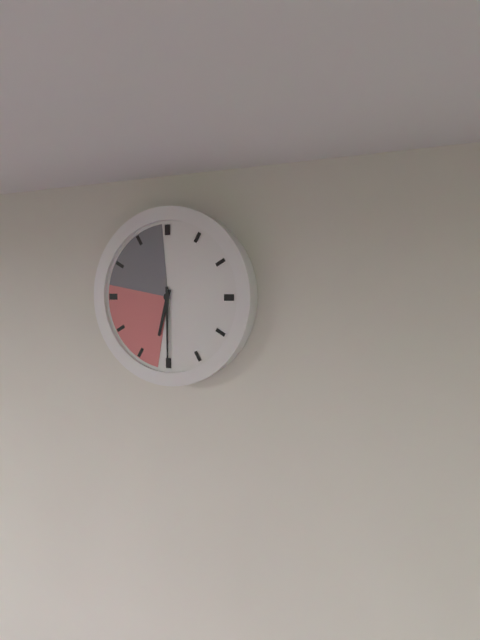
6:30
